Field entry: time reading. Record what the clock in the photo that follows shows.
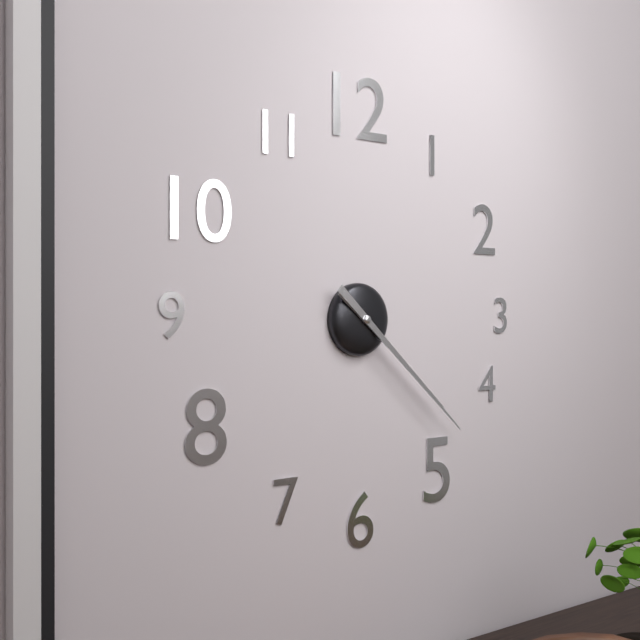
4:22
